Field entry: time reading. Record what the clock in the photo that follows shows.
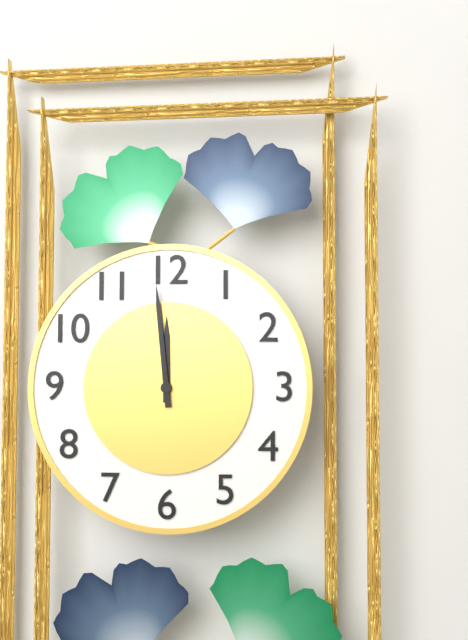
11:59
